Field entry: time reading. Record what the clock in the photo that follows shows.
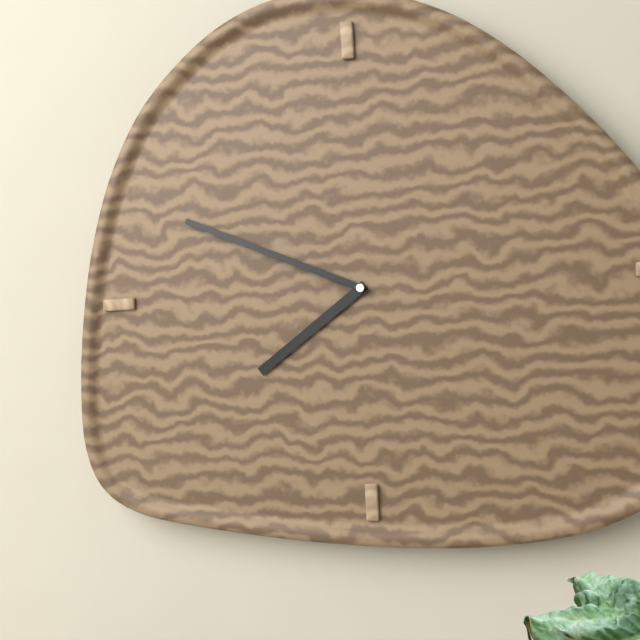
7:49
